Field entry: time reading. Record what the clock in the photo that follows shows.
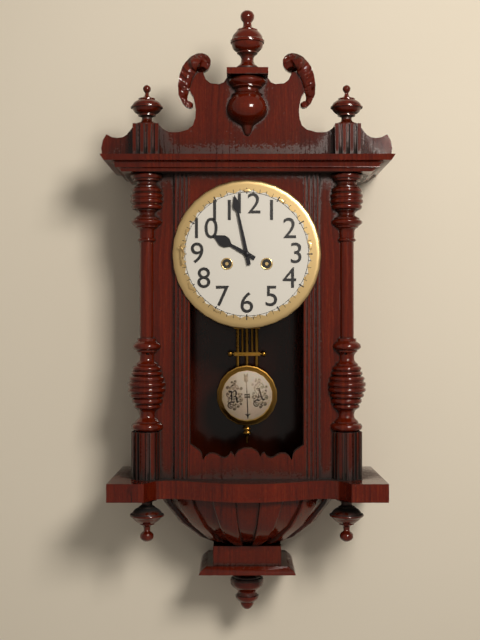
9:58
